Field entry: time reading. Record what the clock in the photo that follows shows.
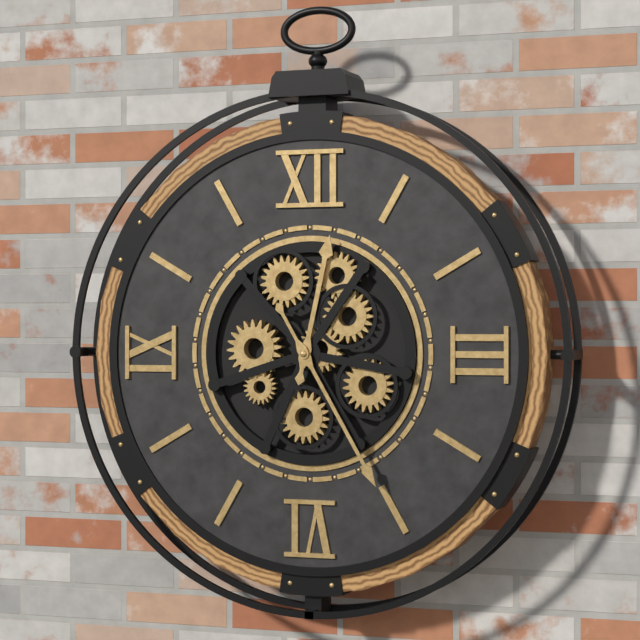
12:25
